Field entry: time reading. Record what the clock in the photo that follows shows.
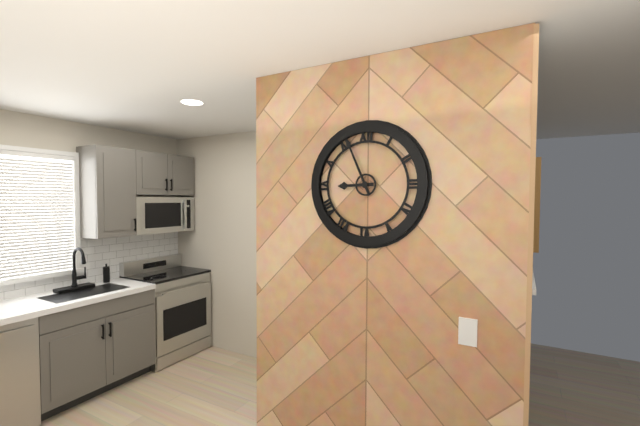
8:56
